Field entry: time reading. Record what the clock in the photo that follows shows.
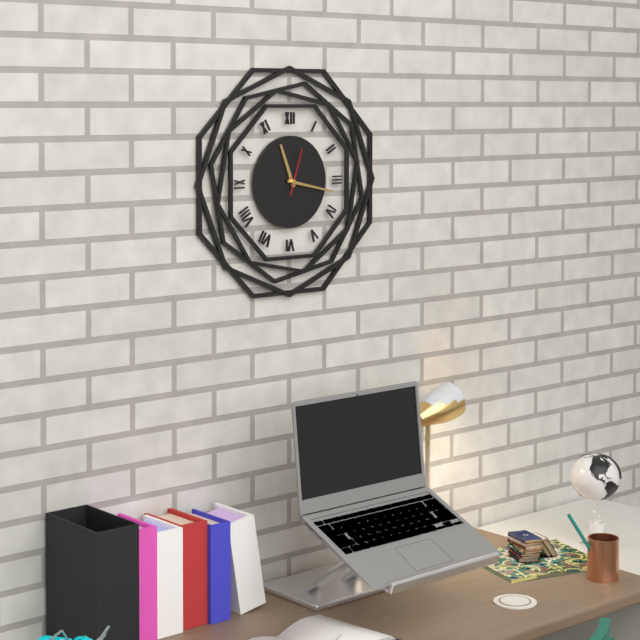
11:17
